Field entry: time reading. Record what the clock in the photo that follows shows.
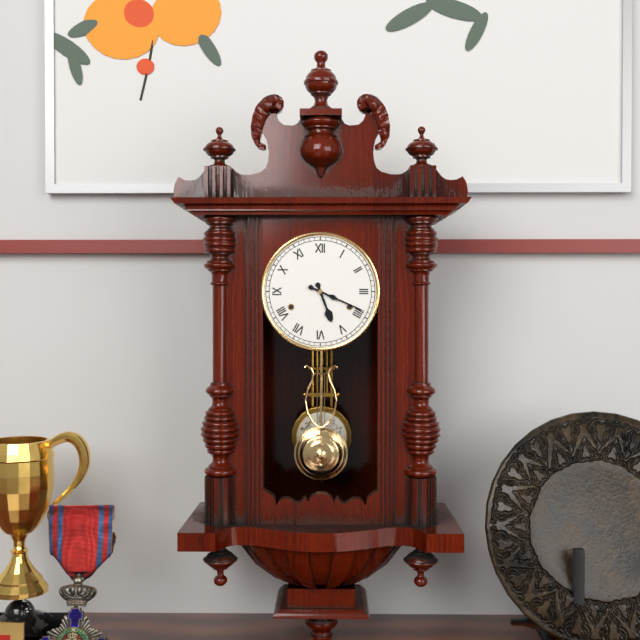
5:19
